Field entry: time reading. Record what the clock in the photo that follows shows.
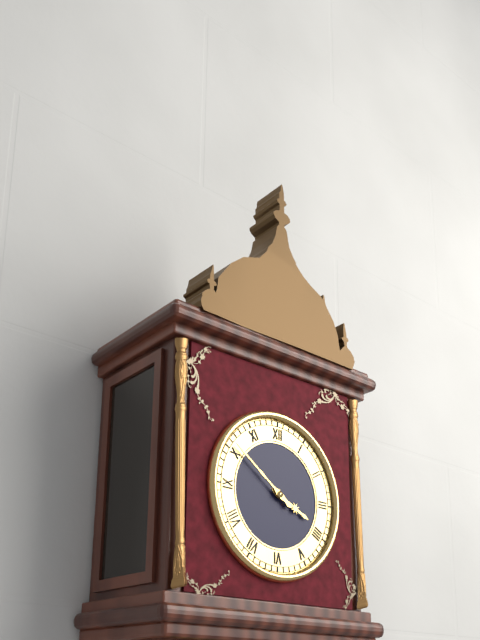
3:51
